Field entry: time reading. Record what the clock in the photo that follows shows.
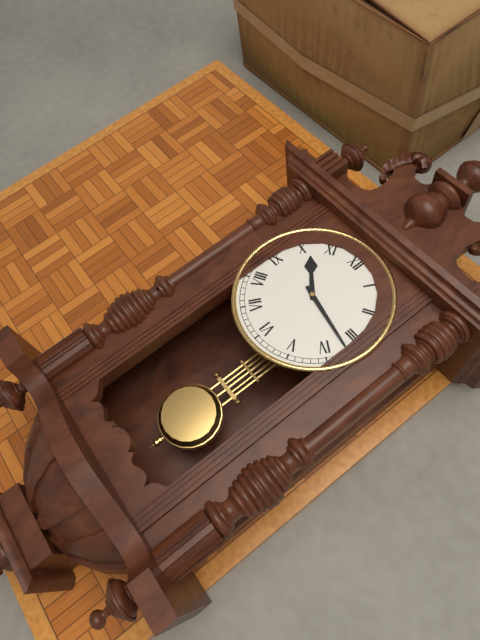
10:17
